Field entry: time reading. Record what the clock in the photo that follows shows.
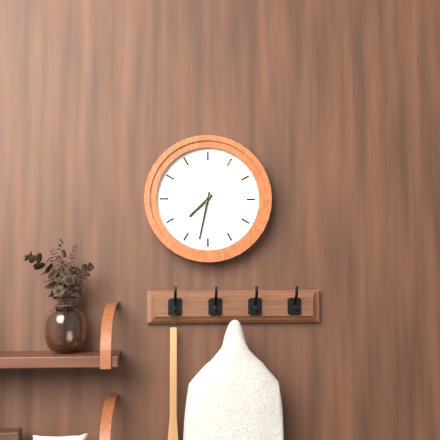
7:32:05
